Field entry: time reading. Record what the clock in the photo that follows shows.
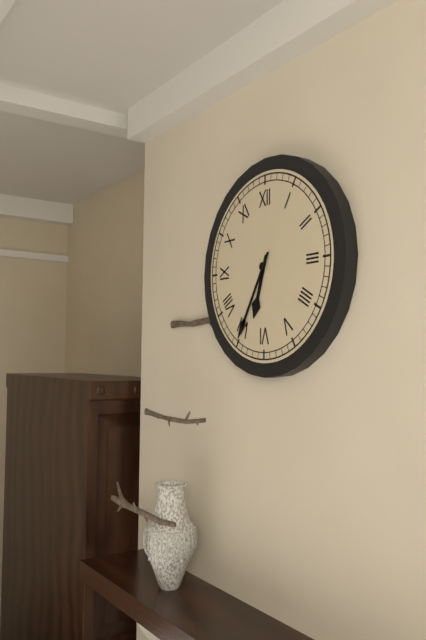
6:35
